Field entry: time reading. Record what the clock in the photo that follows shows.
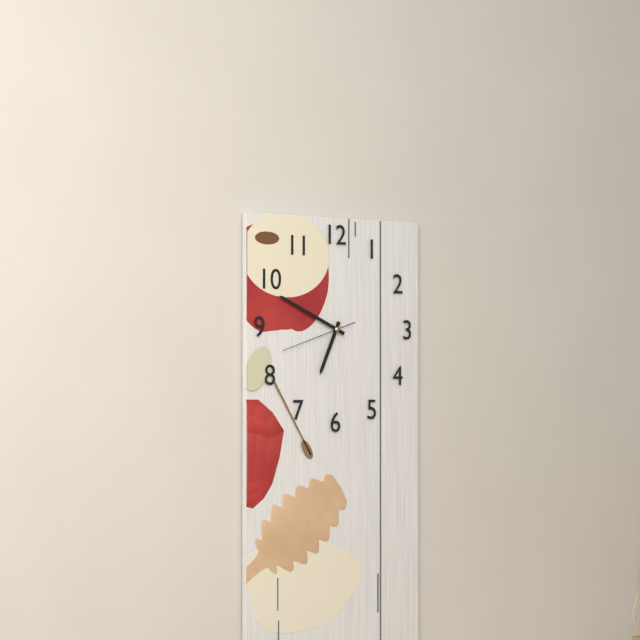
6:49:42
